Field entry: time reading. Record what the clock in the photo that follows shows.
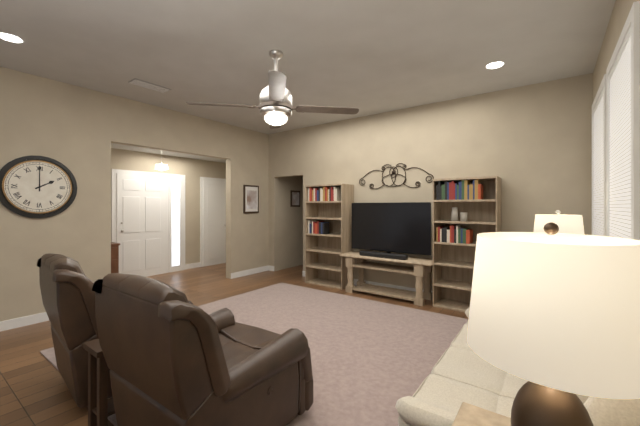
2:00
